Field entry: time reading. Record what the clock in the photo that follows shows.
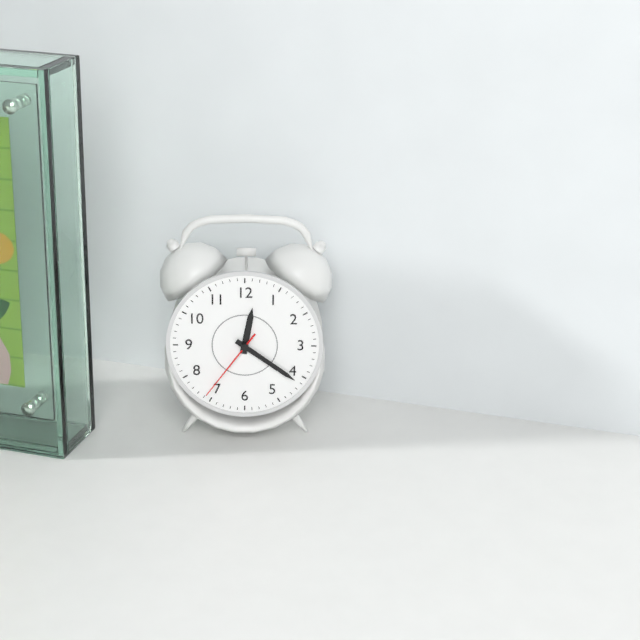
12:21:36
